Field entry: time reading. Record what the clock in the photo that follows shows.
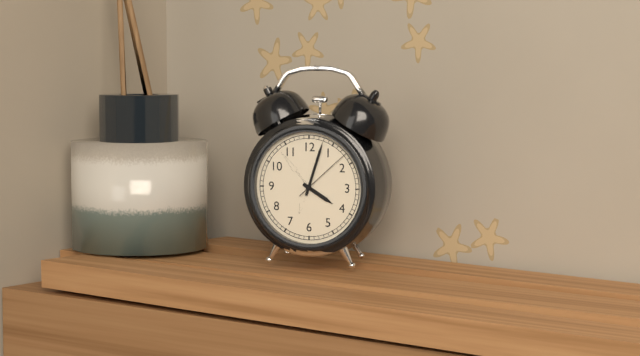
4:03:08
